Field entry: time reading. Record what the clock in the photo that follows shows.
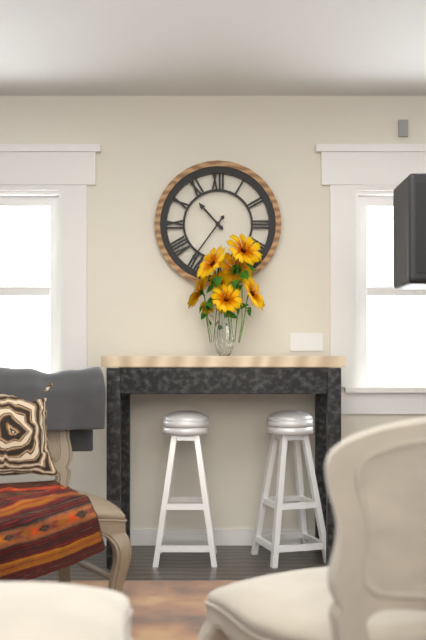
10:36
